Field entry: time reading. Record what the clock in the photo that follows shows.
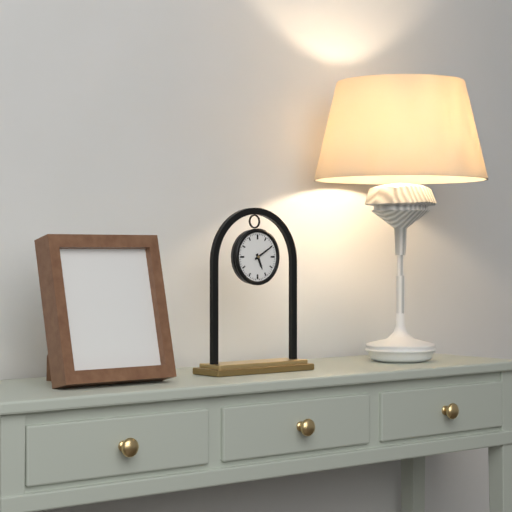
5:10
